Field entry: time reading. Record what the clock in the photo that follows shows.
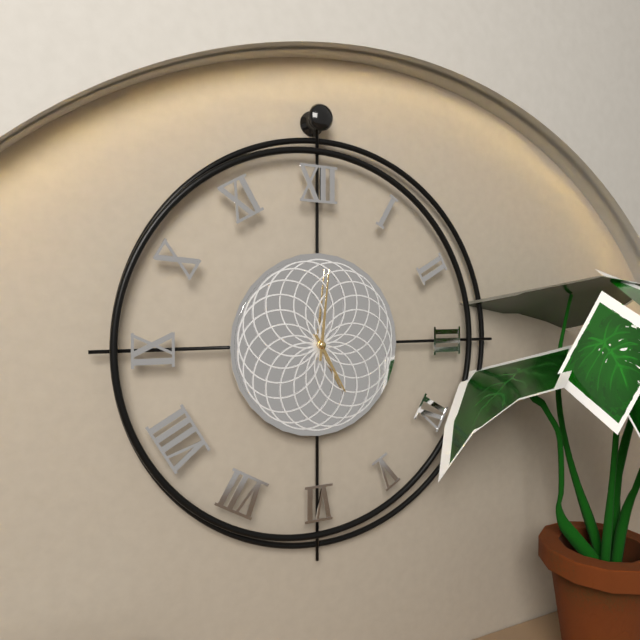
5:01
